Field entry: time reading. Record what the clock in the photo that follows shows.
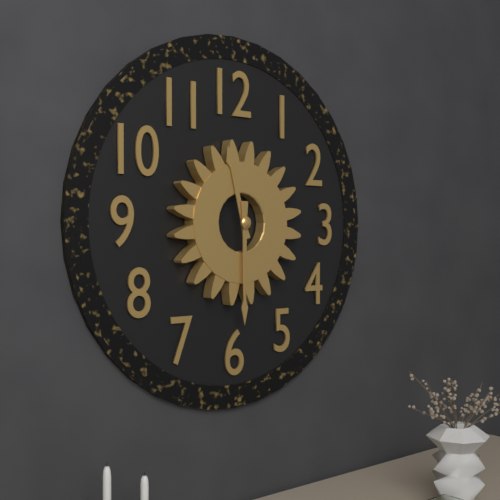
11:30
